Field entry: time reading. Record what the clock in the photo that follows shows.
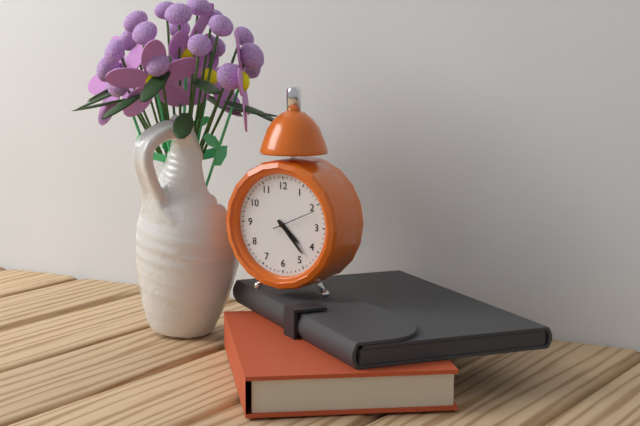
4:23
